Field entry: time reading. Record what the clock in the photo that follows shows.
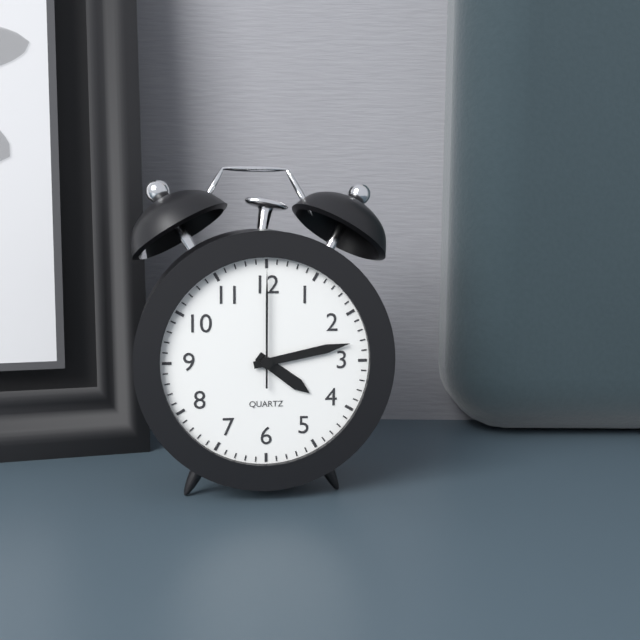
4:13:00
